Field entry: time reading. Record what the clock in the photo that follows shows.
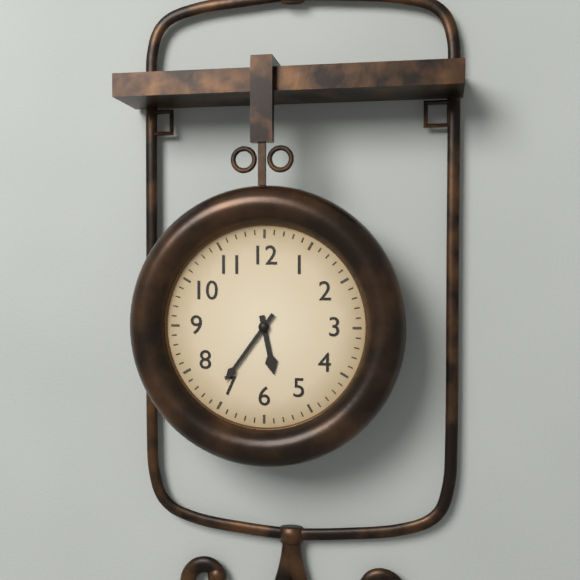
5:36
